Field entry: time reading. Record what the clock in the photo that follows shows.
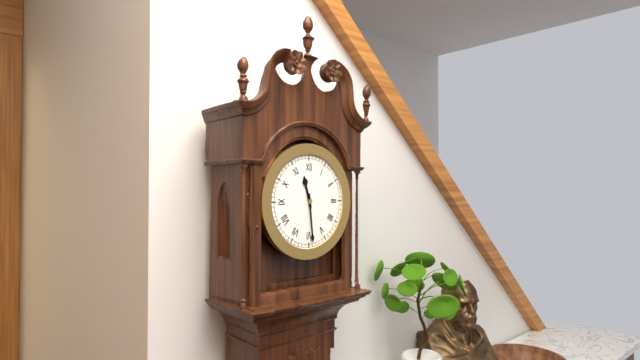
11:29
